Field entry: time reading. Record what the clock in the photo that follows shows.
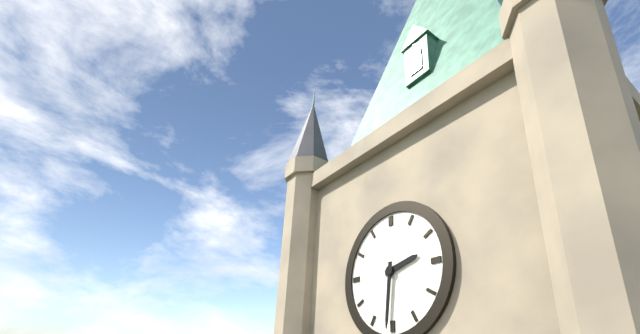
2:31
